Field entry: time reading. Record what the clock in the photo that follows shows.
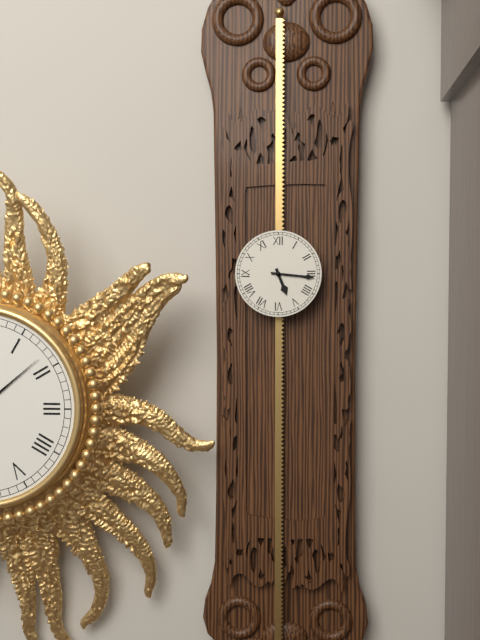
5:16
